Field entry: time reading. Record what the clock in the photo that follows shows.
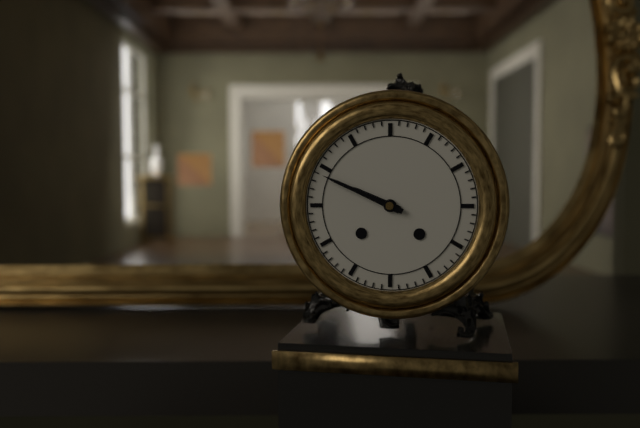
9:49
